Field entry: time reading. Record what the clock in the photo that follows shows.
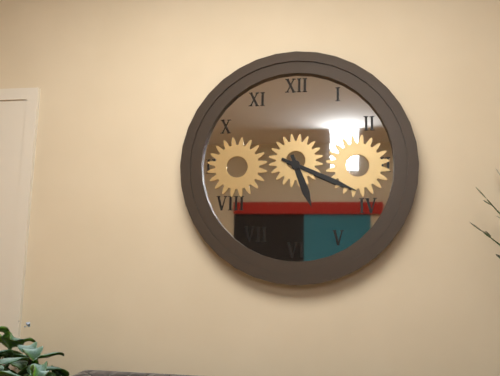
5:19
